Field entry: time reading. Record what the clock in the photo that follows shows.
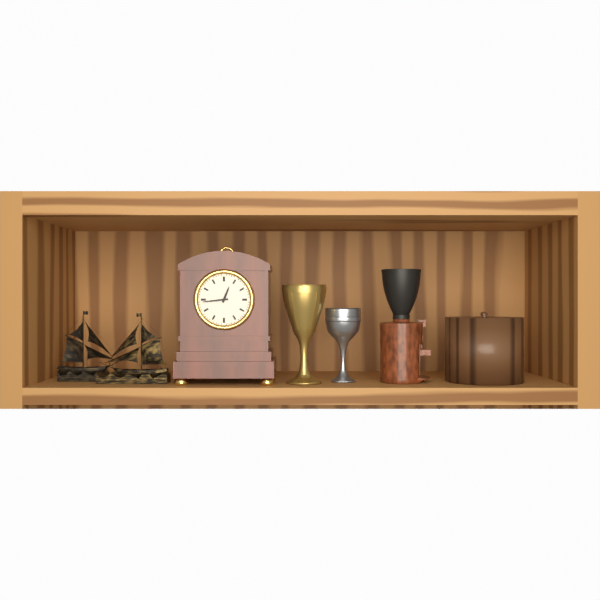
12:44
